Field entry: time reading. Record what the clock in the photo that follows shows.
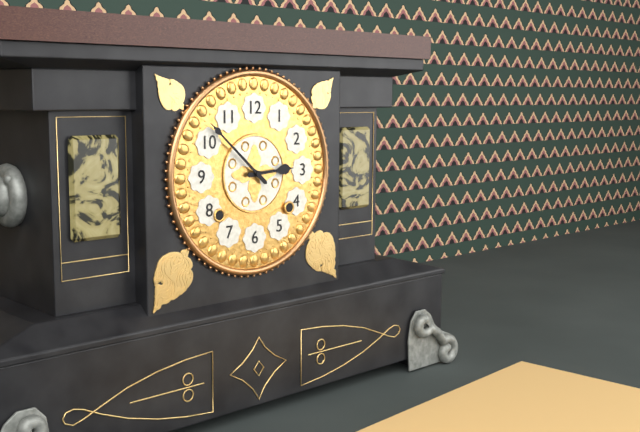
2:52
